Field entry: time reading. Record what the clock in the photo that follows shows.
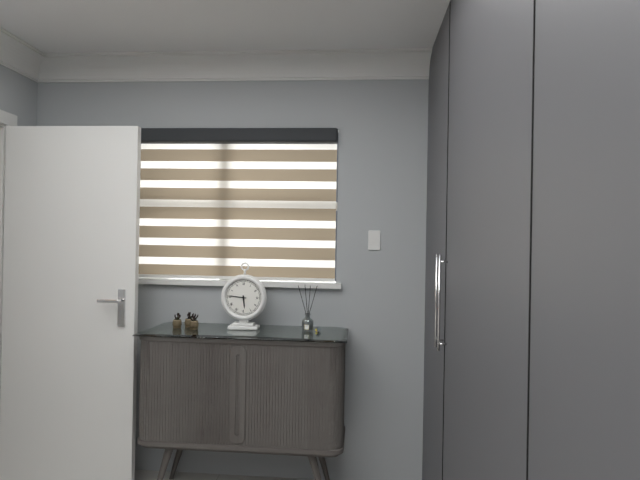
5:46
